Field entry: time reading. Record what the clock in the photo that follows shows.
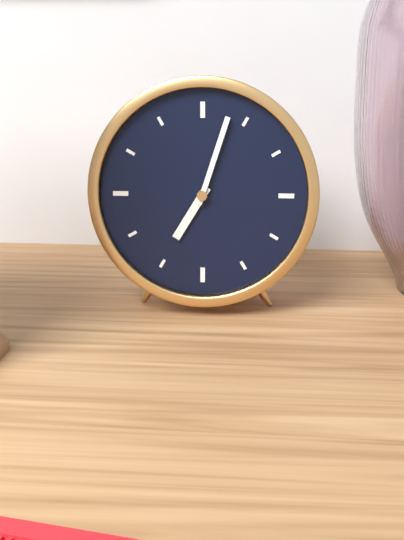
7:03
